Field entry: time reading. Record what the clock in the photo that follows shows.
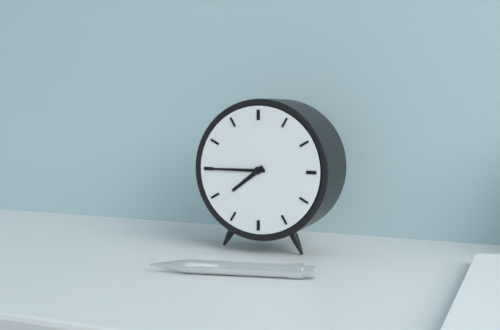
7:45
